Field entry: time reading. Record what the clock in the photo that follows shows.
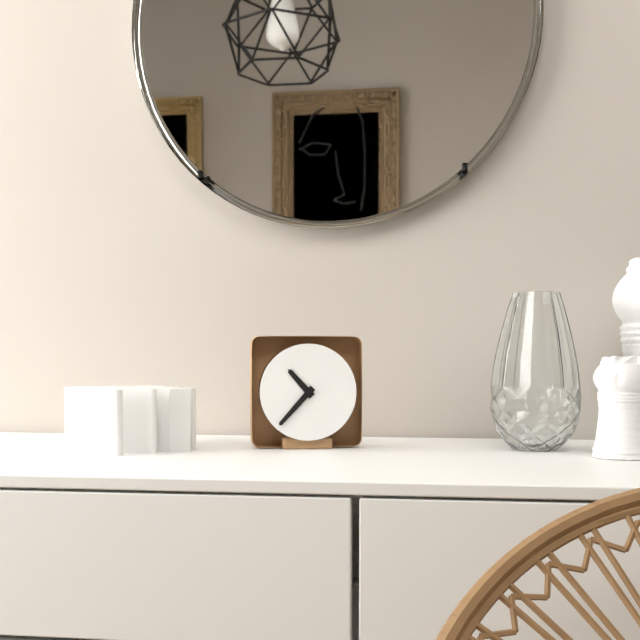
10:37
